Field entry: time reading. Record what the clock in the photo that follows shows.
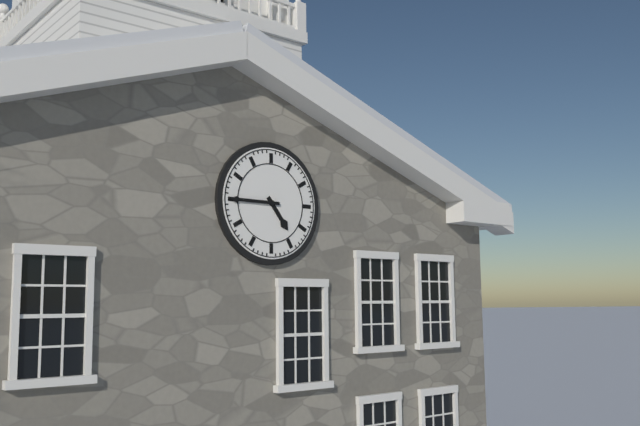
4:45
